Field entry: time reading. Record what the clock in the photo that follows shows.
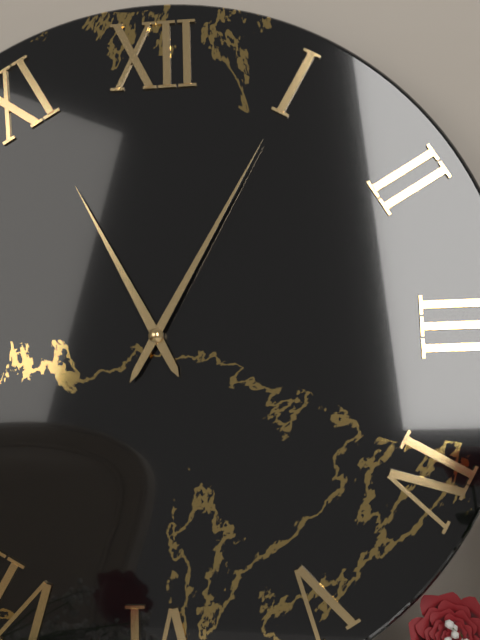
11:05
